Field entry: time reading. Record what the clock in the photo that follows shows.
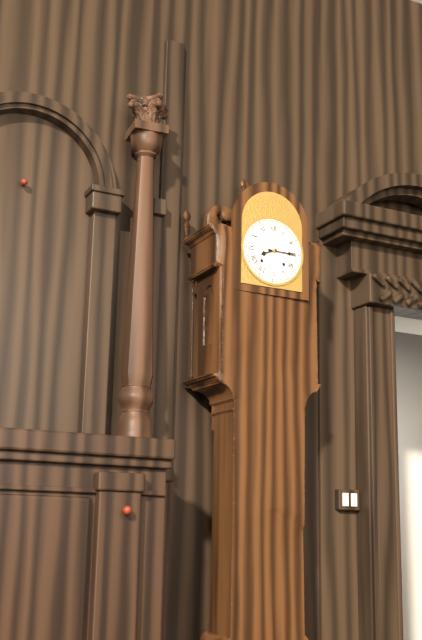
8:15
